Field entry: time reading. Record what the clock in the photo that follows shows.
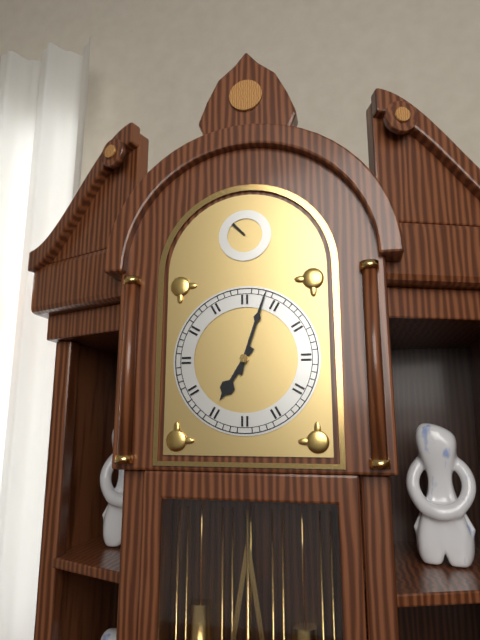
7:03
